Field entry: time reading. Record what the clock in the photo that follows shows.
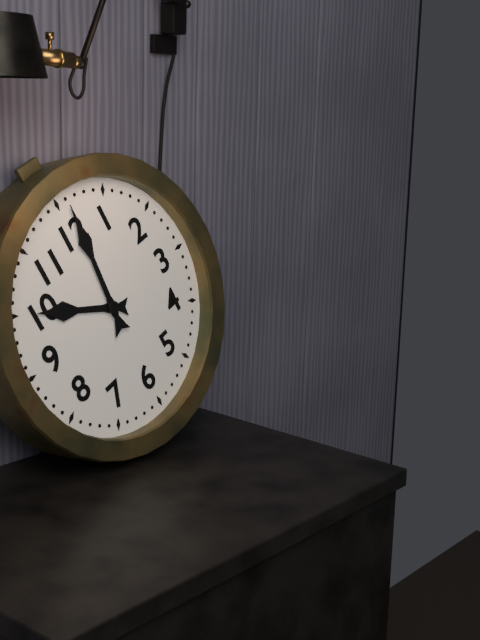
10:01
